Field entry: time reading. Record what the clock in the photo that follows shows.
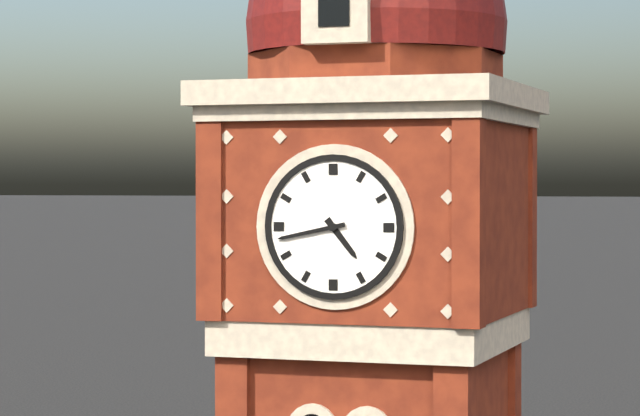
4:43
